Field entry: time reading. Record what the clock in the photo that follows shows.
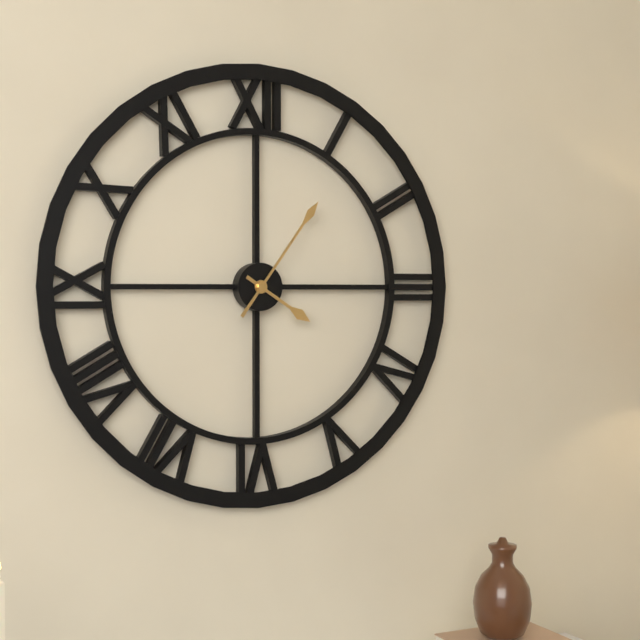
4:06
